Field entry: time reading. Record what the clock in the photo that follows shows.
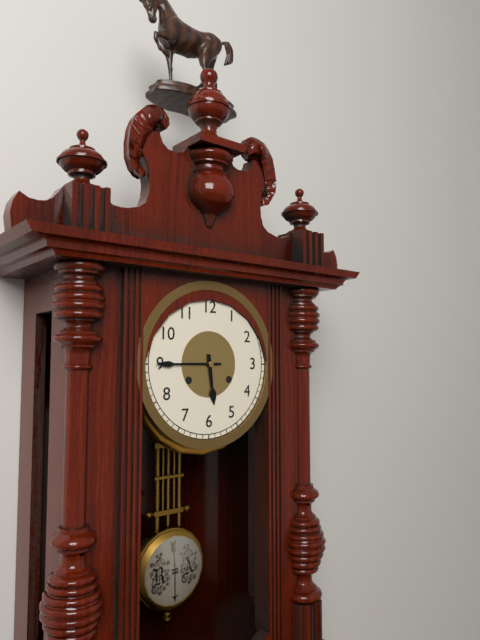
5:45
